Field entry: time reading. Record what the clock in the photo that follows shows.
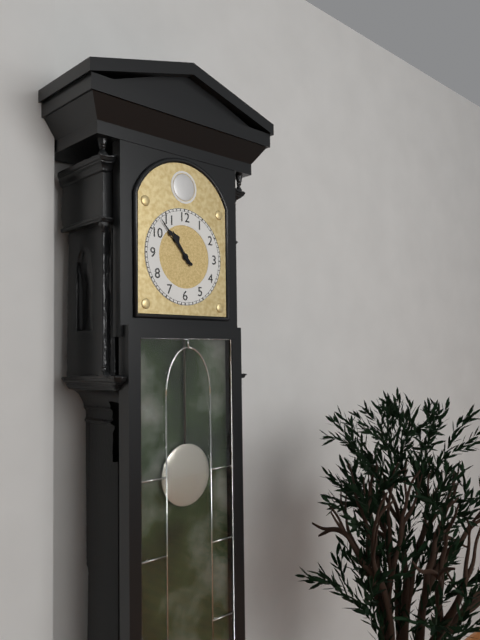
10:53
